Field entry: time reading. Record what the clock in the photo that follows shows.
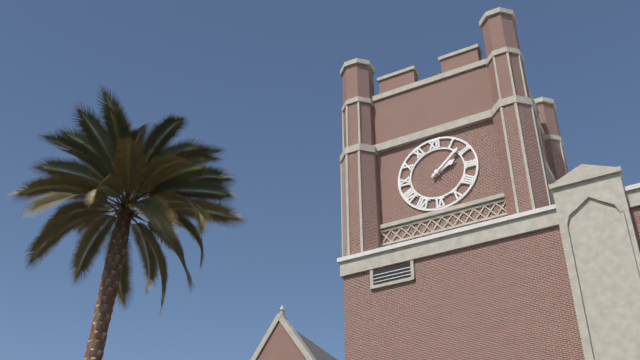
2:08
